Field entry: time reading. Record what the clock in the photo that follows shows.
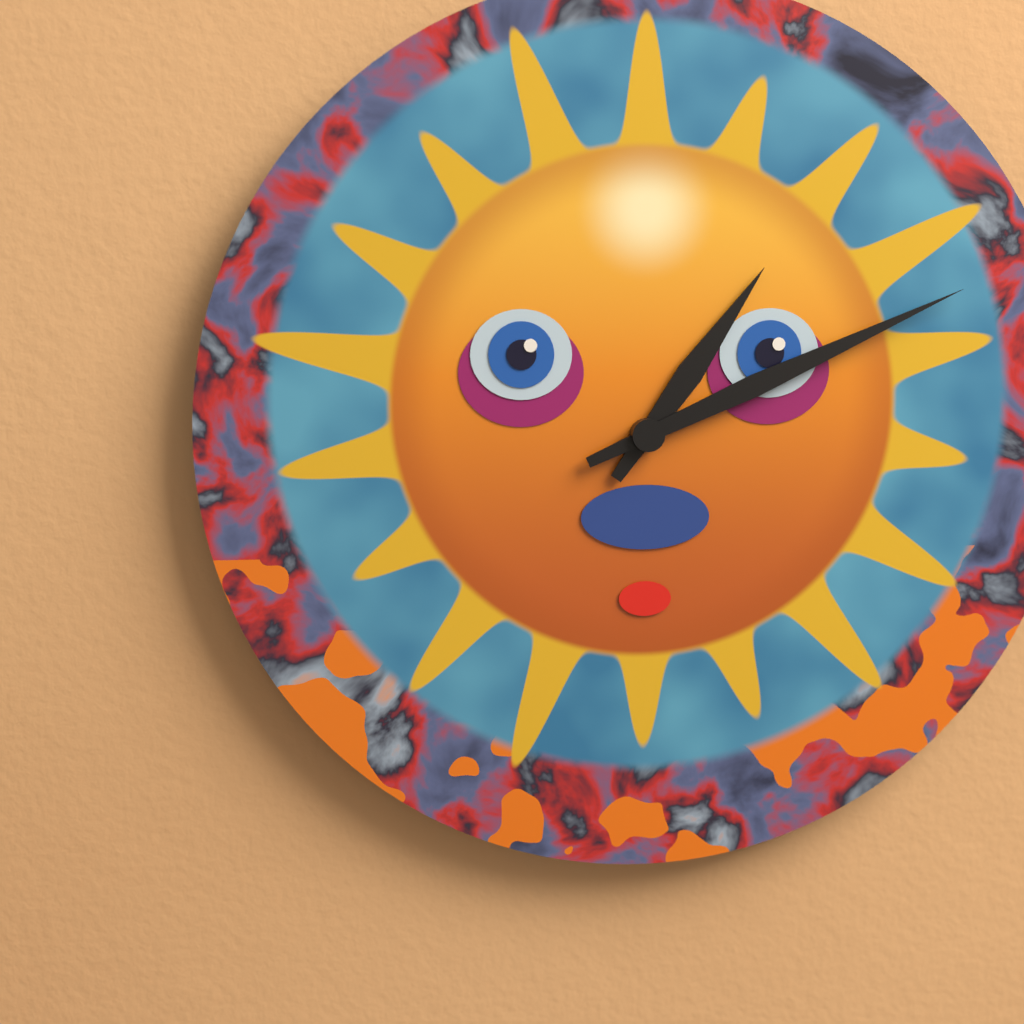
1:11
